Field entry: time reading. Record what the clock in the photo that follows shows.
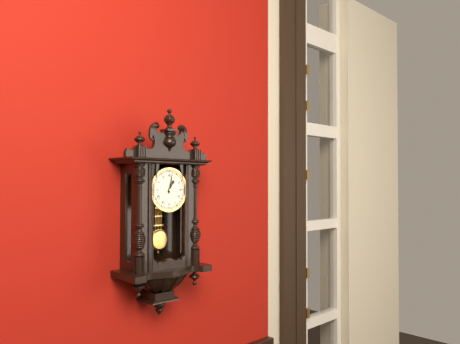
1:02
